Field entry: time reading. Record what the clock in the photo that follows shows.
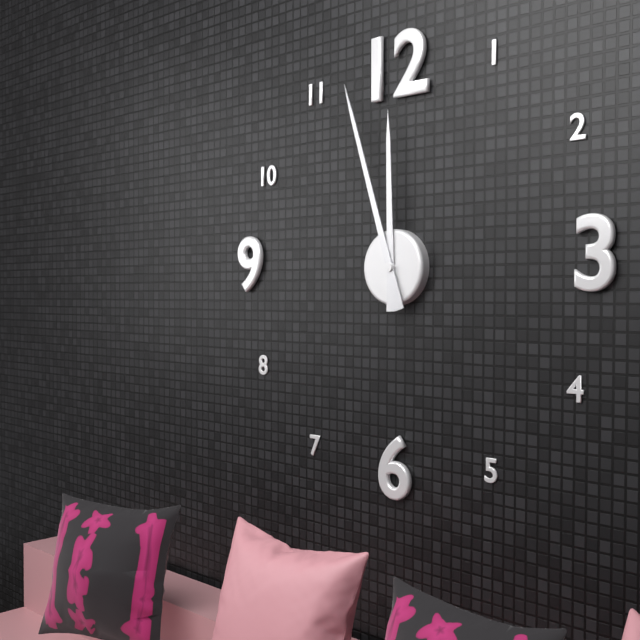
11:57
